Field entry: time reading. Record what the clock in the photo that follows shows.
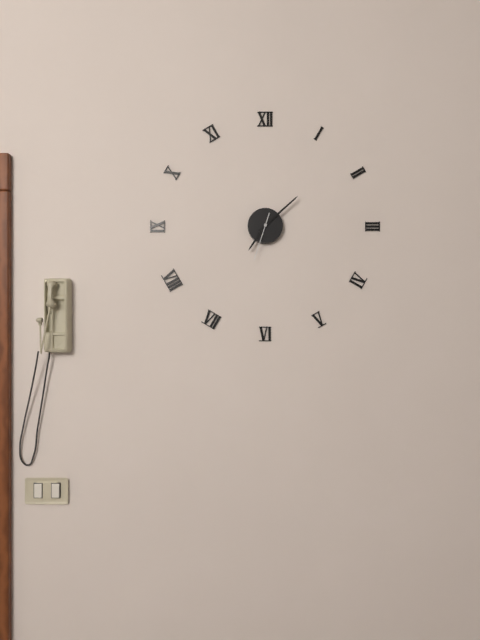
7:08
